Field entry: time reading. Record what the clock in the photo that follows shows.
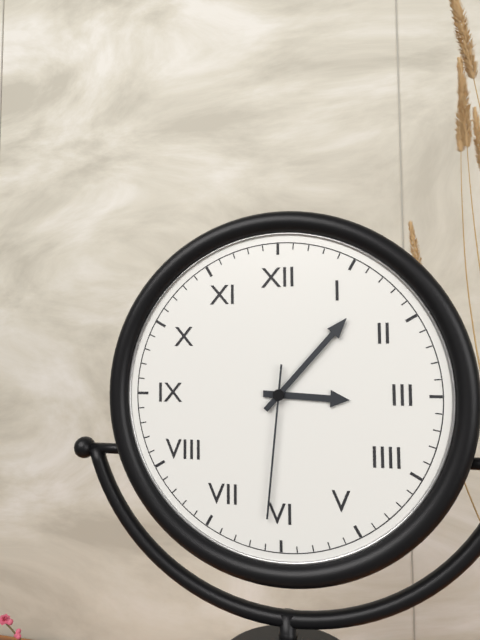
3:07:31
